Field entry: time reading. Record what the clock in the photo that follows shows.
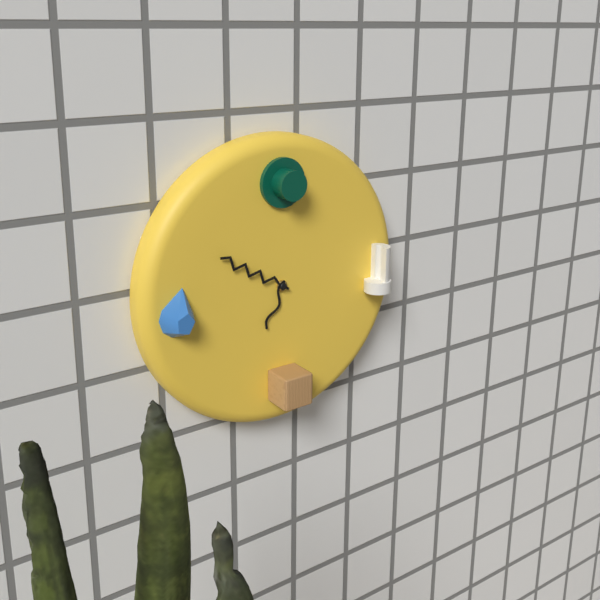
6:50
